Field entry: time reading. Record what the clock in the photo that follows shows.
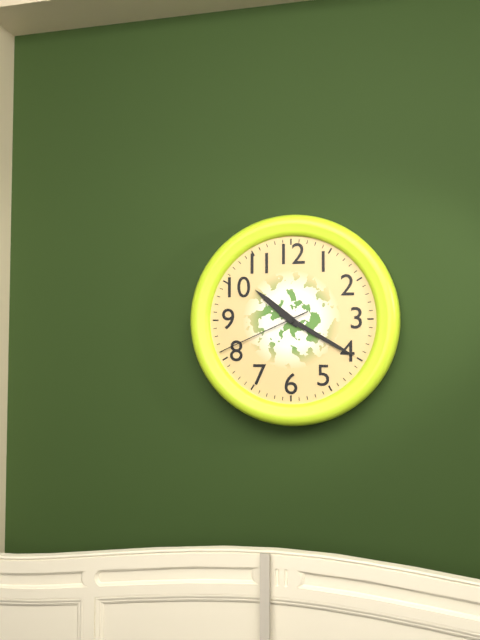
10:20:41
